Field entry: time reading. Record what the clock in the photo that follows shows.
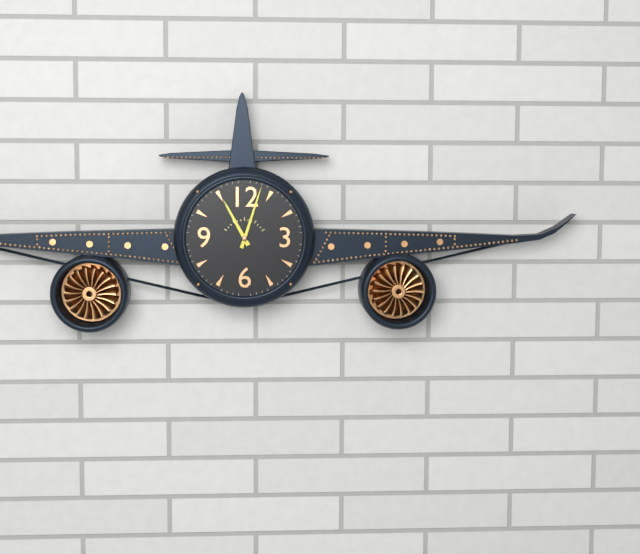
11:03
